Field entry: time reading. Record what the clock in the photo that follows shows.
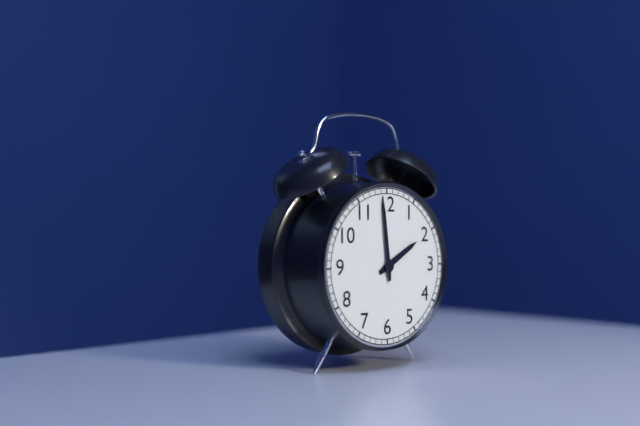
1:59
